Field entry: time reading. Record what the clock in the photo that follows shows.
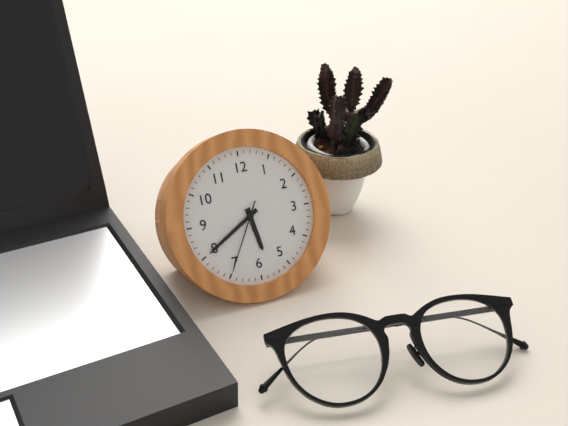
5:40:35
